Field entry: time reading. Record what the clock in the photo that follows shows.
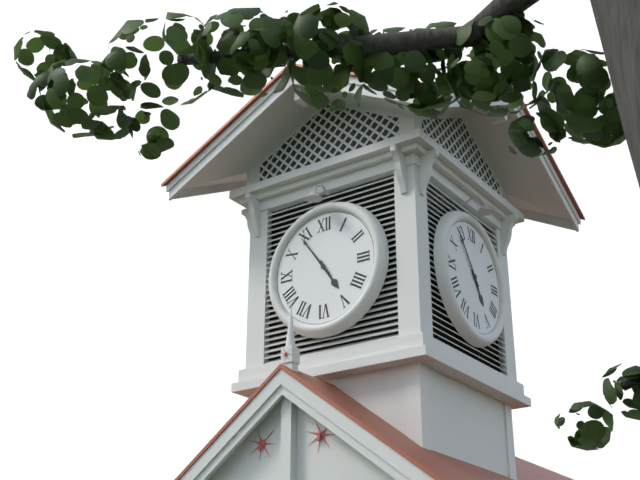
4:54
